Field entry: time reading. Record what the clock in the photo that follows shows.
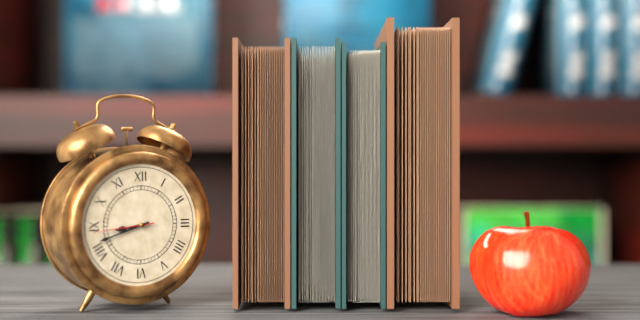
8:42:44
